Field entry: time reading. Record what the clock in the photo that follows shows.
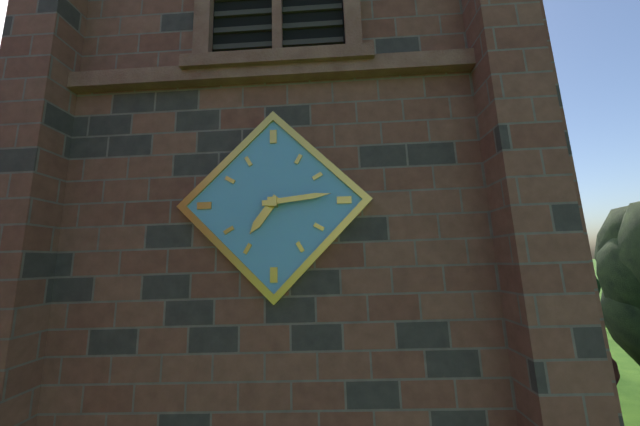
7:14
